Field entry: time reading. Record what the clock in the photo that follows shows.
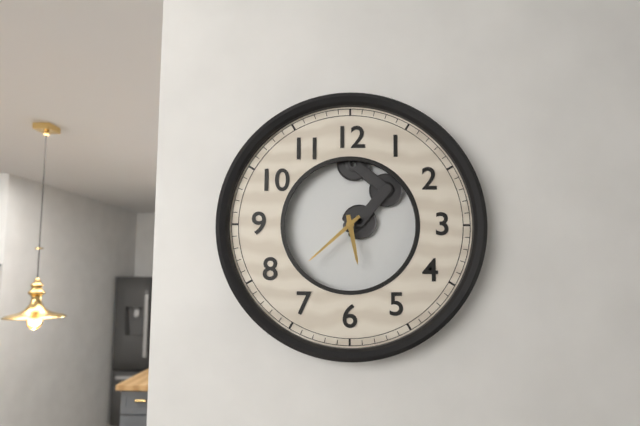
5:38
